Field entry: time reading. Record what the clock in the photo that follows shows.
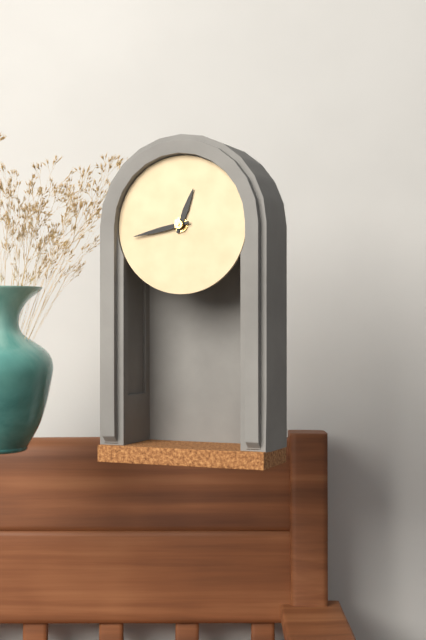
12:43
